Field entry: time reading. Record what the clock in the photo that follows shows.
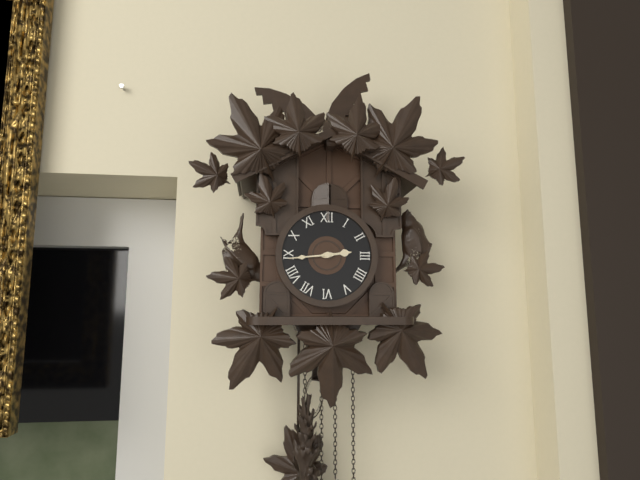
2:44
